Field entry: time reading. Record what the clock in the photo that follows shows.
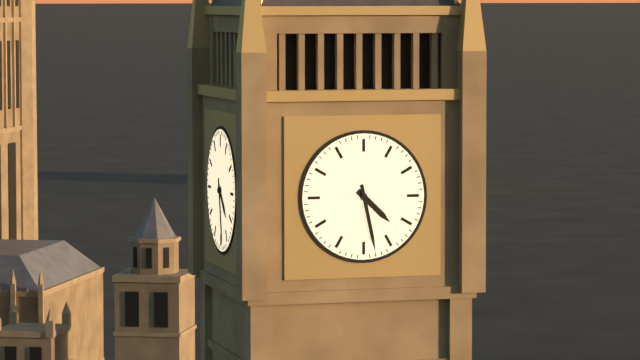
4:28
